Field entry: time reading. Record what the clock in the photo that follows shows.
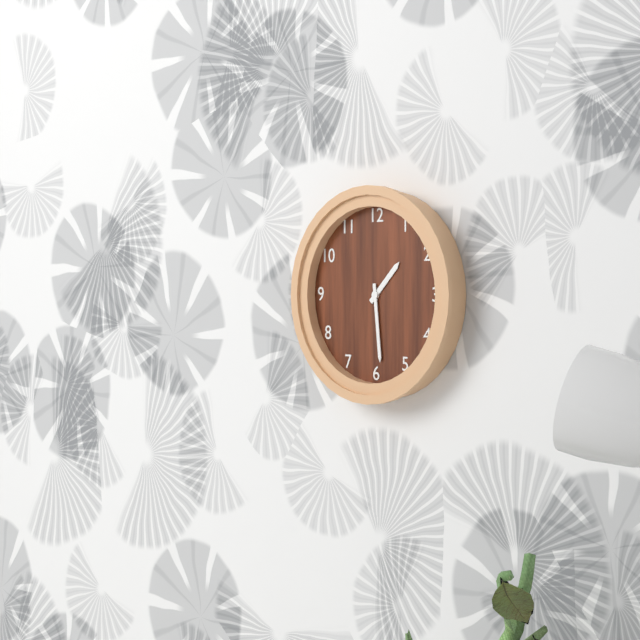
1:29
